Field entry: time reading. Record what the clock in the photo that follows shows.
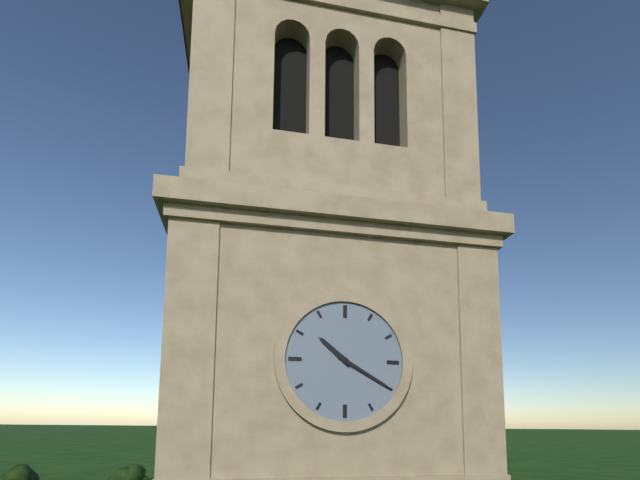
10:20
